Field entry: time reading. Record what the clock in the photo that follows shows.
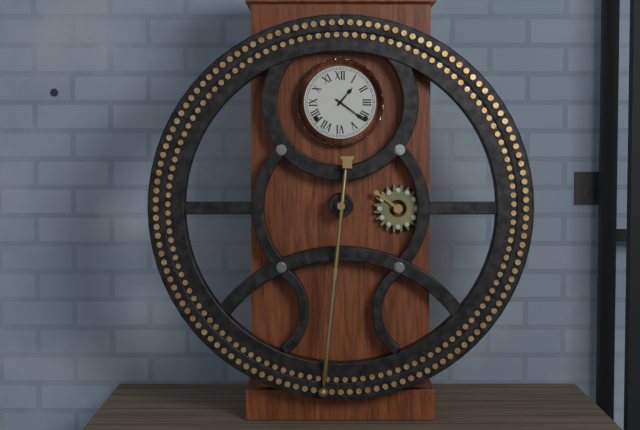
1:21
